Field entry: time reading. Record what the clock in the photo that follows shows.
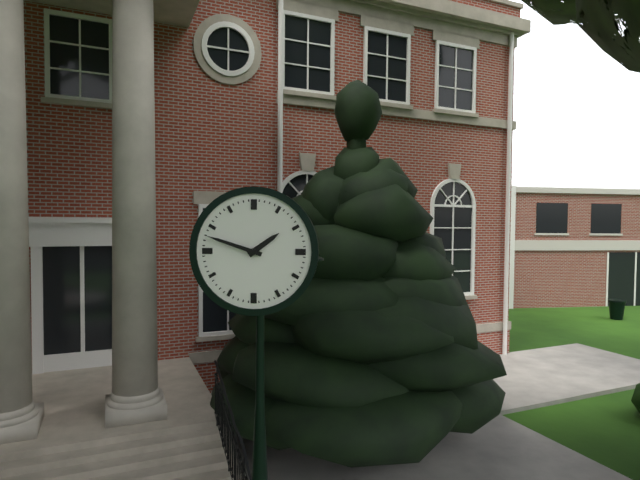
1:48
